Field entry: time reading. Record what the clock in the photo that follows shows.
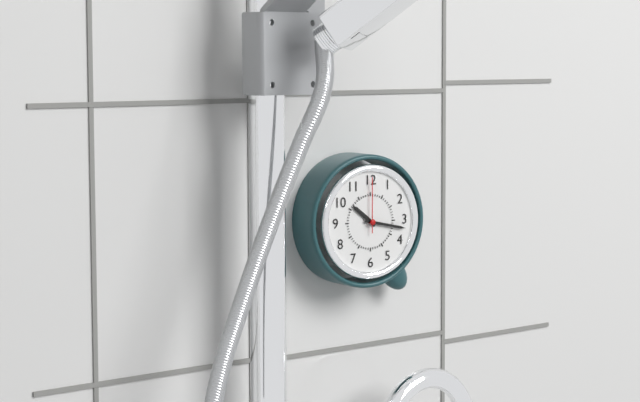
10:17:00
